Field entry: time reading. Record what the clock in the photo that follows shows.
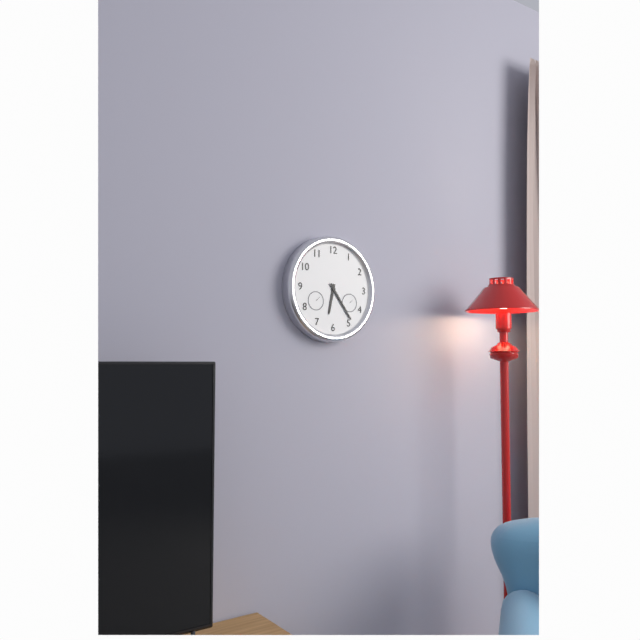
6:24
